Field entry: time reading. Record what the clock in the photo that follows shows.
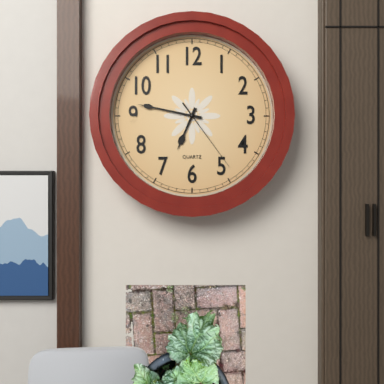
6:47:24
